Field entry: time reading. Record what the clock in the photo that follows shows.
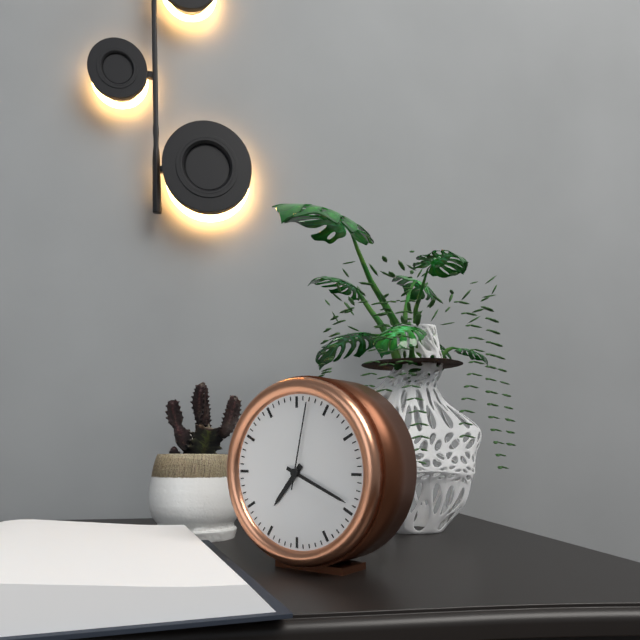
7:19:02
